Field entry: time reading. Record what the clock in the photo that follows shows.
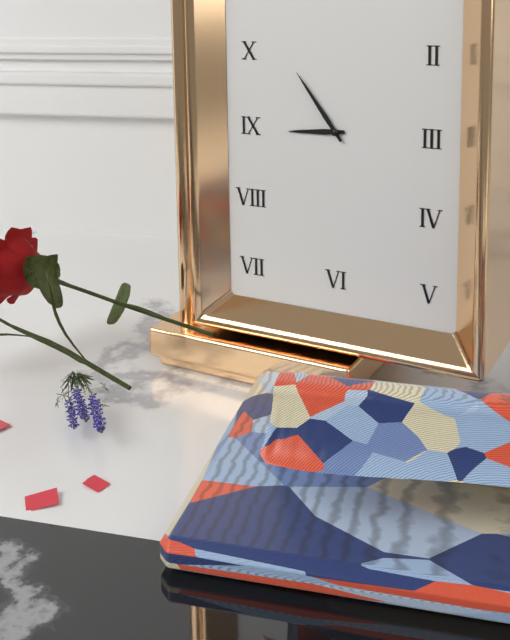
8:54
